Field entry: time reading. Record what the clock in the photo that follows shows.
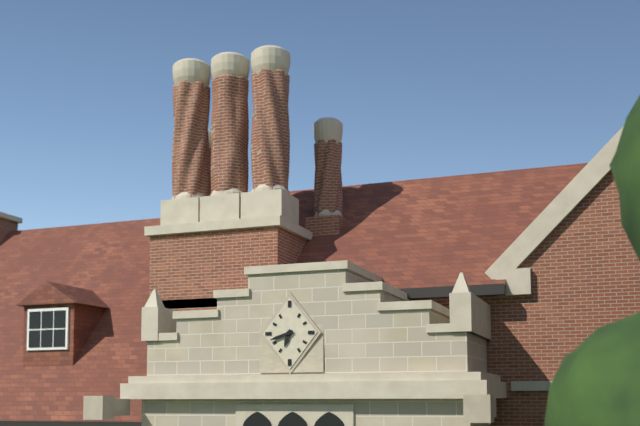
6:42
